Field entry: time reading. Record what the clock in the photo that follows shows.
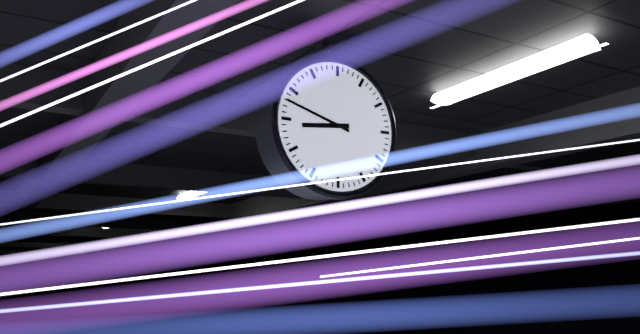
8:48
